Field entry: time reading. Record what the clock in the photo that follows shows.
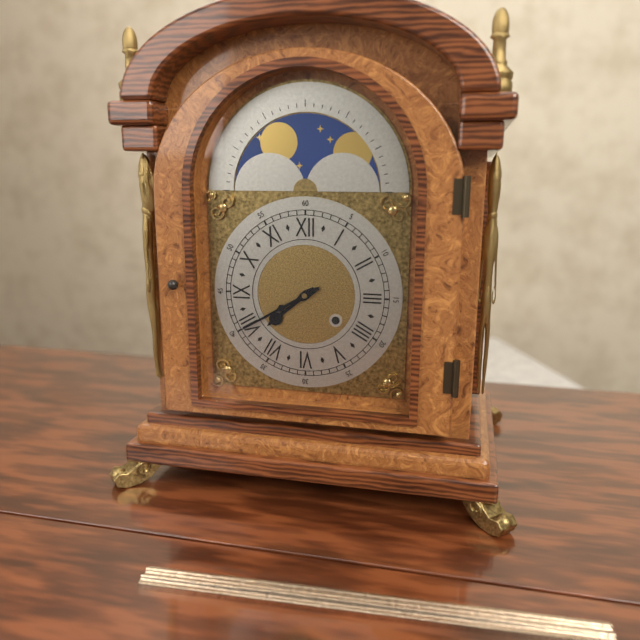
7:40
